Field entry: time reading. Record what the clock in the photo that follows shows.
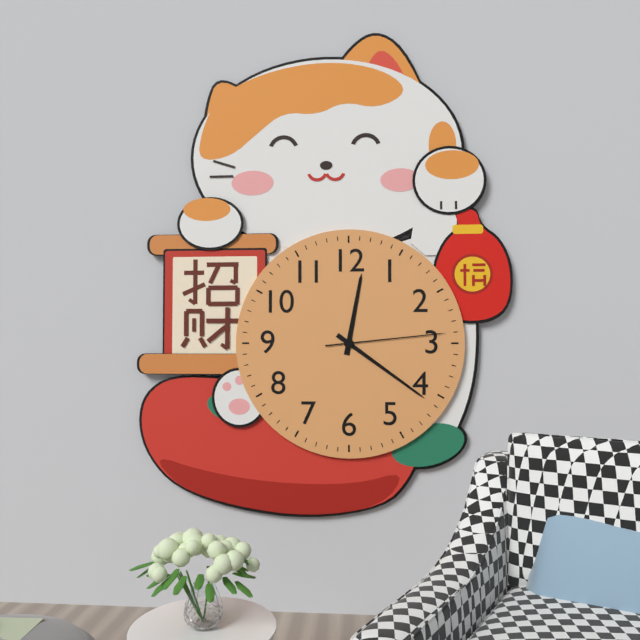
12:21:14
